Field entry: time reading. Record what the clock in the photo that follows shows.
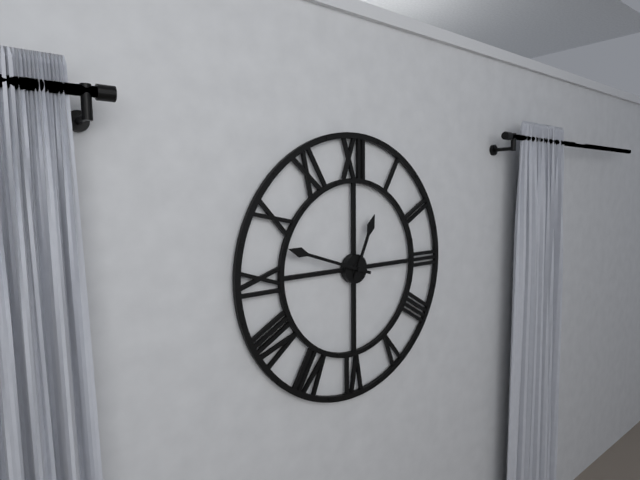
12:48
